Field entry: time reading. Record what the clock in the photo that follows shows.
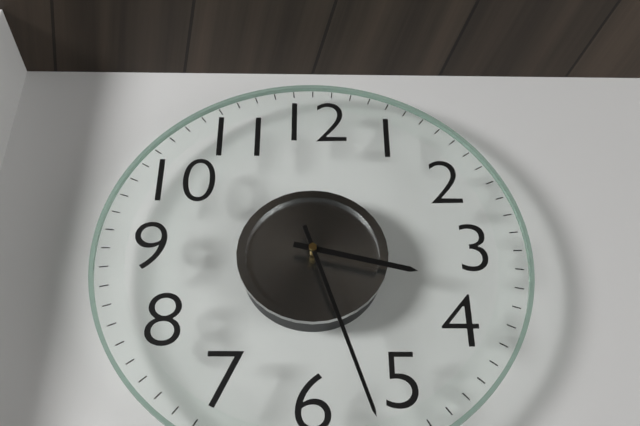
3:27
